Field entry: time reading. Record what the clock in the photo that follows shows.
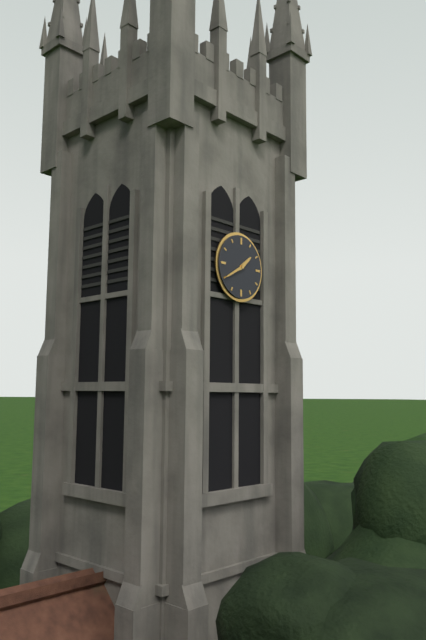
1:40
